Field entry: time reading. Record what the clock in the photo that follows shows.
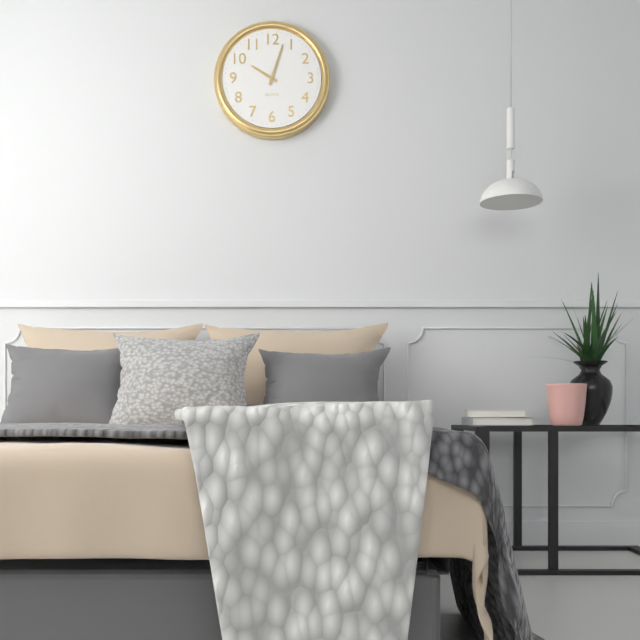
10:03
